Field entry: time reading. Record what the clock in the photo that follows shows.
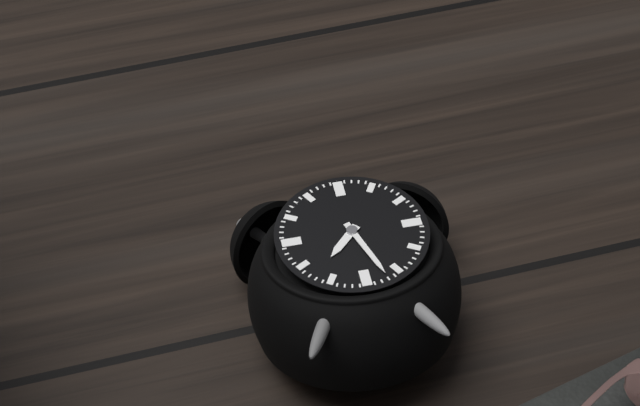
7:27
